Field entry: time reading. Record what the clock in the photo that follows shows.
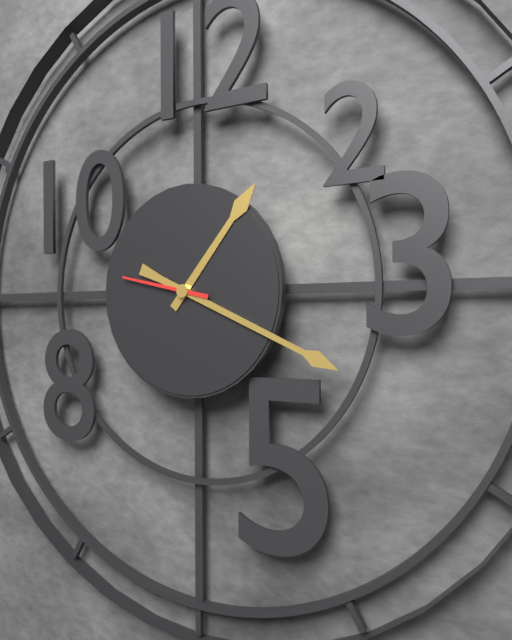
1:19:47
